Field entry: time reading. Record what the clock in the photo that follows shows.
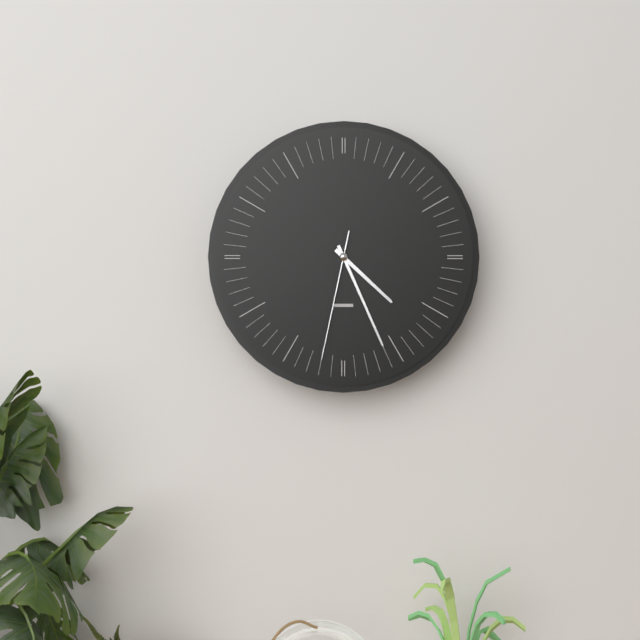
4:26:32
